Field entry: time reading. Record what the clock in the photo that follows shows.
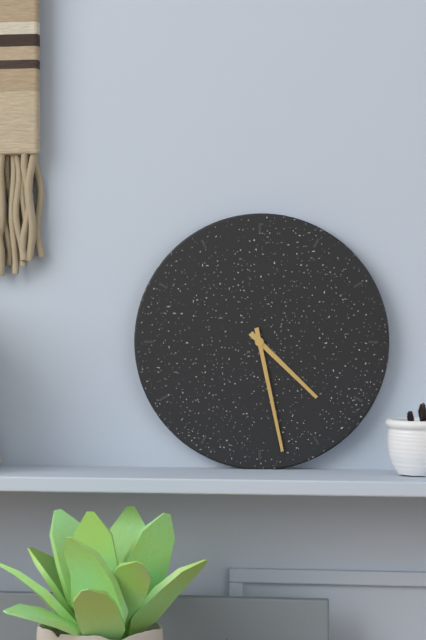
4:28
